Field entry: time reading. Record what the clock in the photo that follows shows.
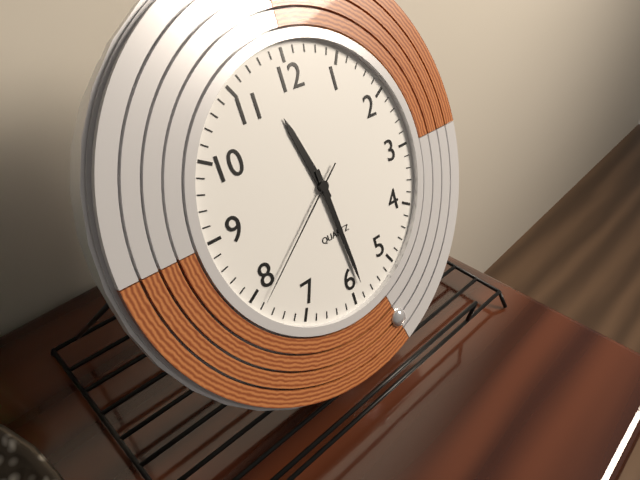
11:29:39
